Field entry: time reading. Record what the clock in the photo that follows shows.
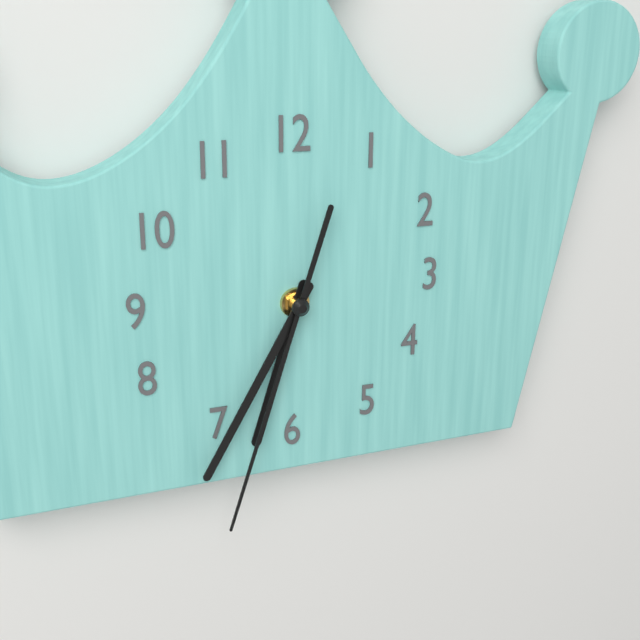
6:35:33
